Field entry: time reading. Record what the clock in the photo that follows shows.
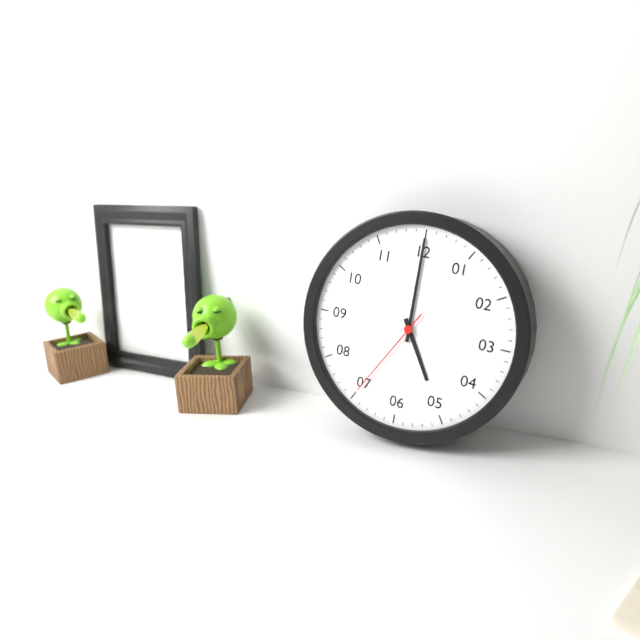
5:00:35
